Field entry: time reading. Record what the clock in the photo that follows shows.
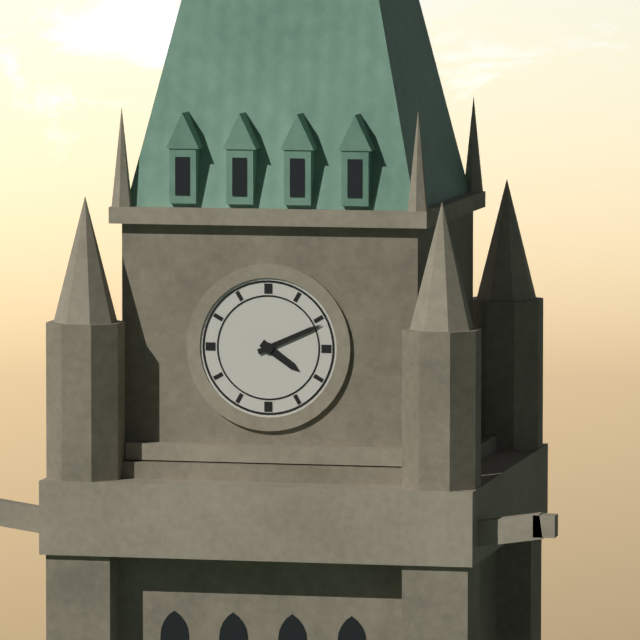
4:11
